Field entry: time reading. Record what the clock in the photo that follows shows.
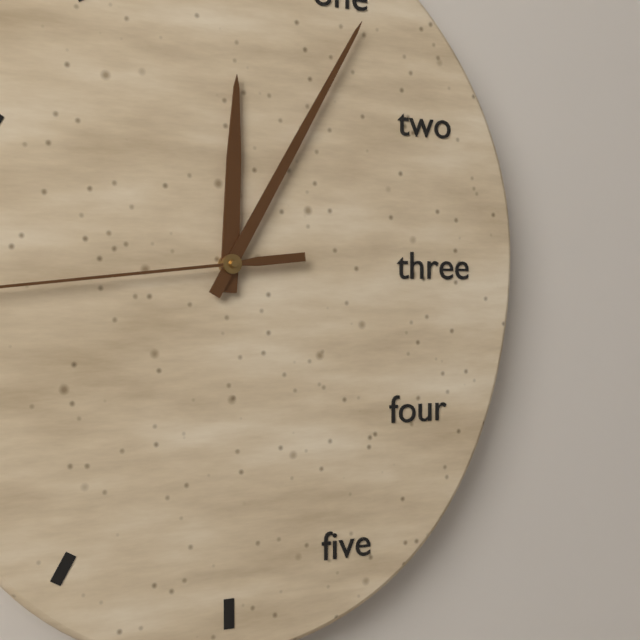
12:05
